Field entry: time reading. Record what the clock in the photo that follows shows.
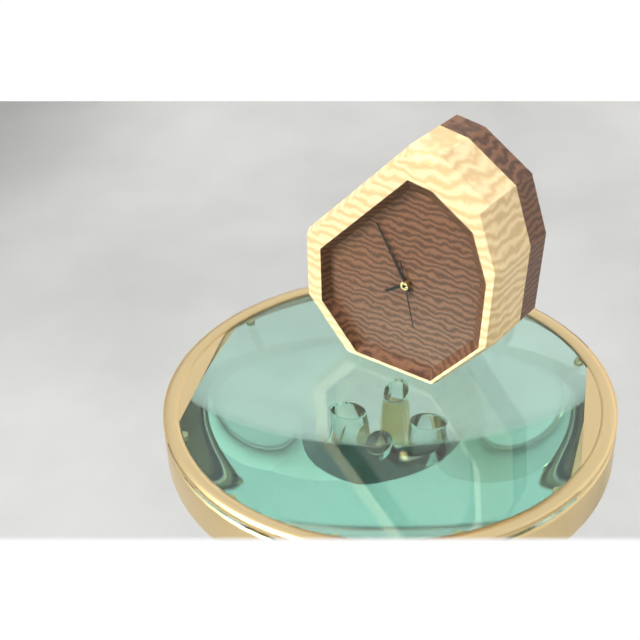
7:55:28
